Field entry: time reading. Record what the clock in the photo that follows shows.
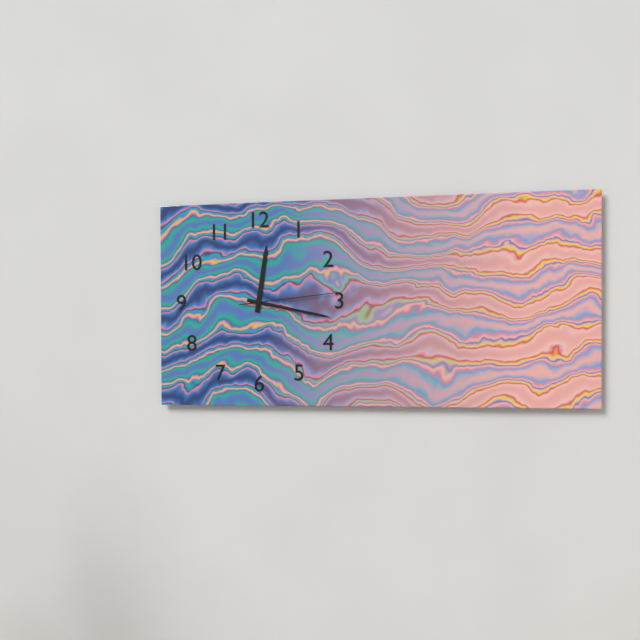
12:17:14
